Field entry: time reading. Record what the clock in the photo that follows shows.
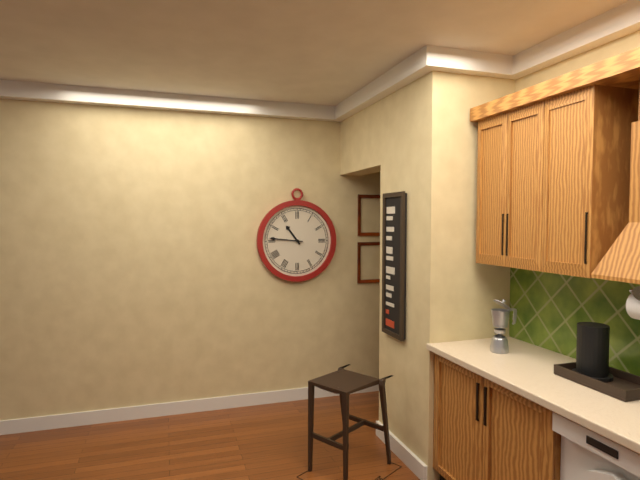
10:46
